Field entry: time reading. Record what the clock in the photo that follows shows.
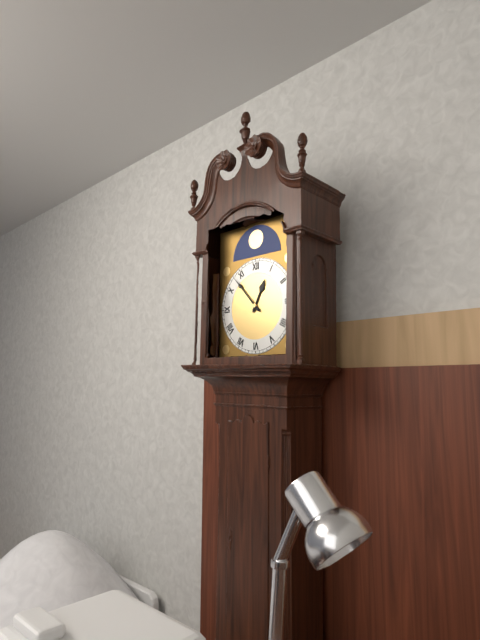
12:53
